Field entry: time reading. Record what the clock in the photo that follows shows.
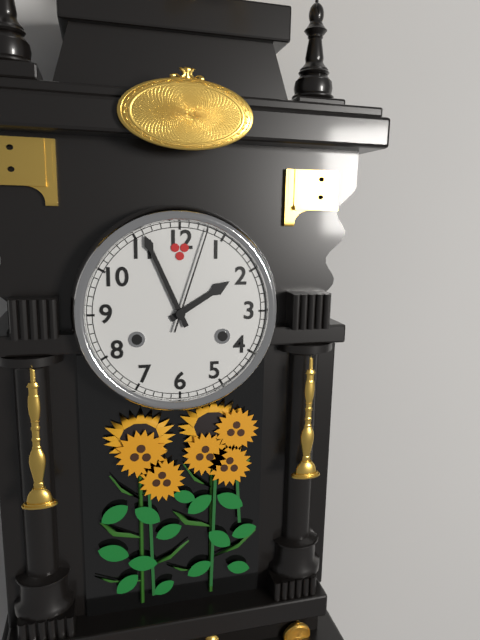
1:56:03
